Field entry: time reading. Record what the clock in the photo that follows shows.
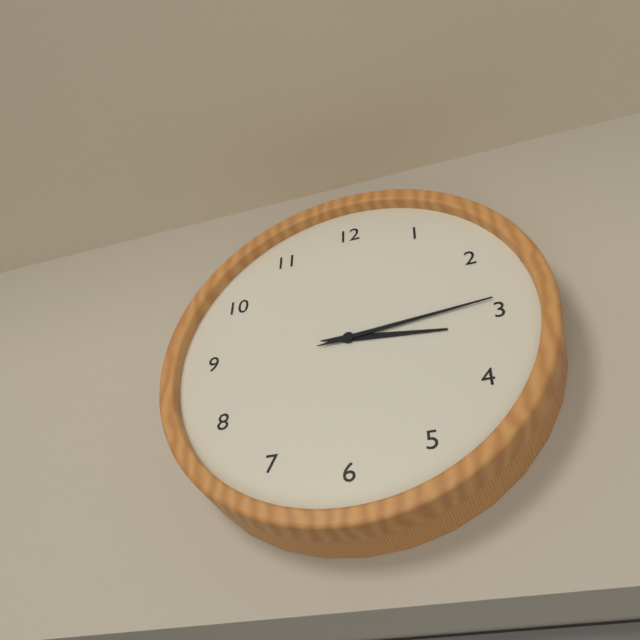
3:14
